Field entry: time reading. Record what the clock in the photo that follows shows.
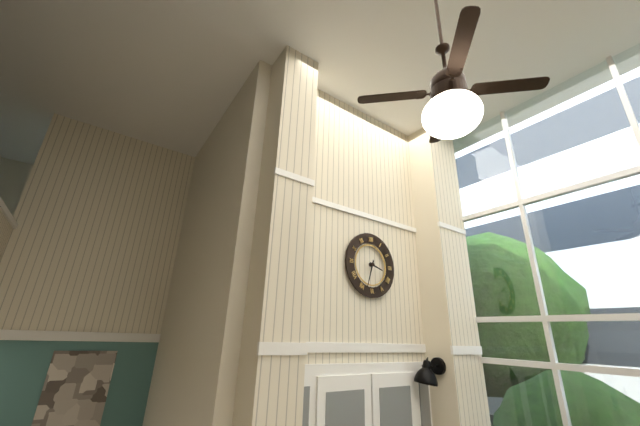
3:33
